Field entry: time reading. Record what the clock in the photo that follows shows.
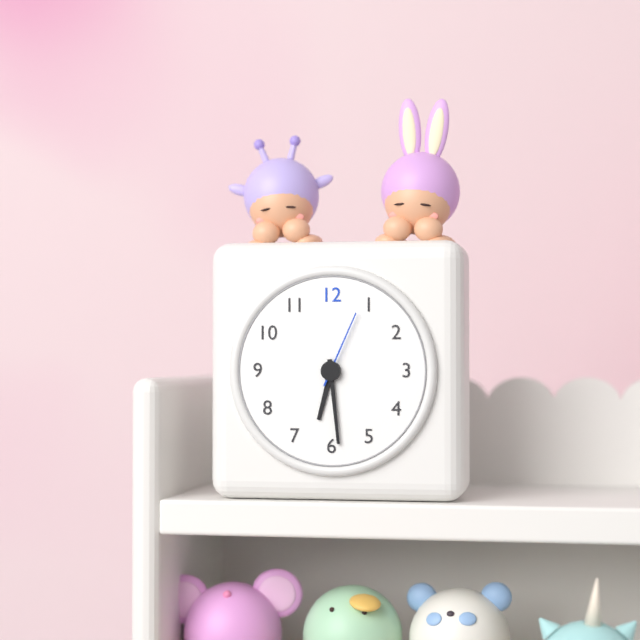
6:29:04
